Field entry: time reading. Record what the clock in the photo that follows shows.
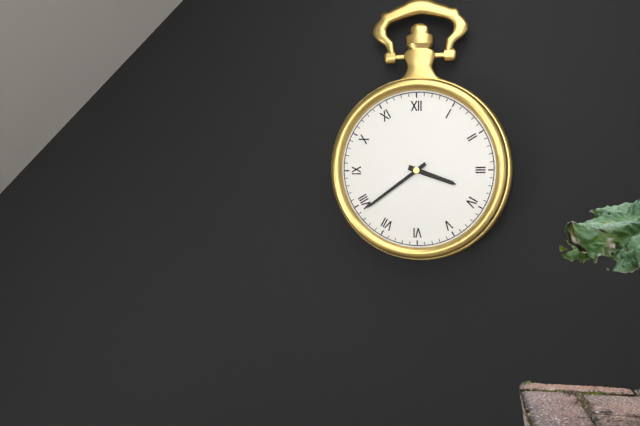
3:39
